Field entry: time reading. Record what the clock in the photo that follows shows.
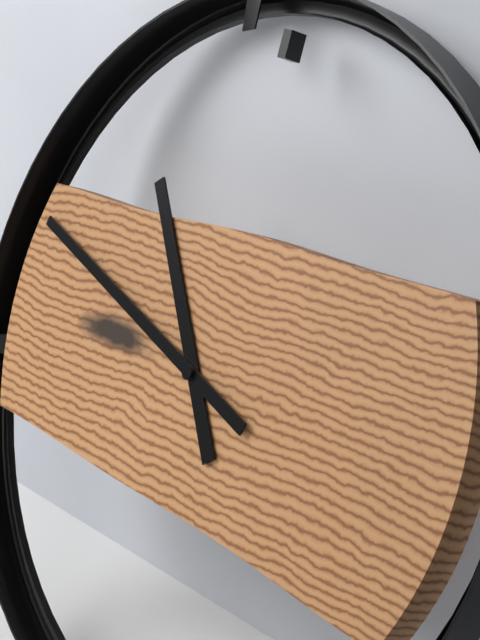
10:48
